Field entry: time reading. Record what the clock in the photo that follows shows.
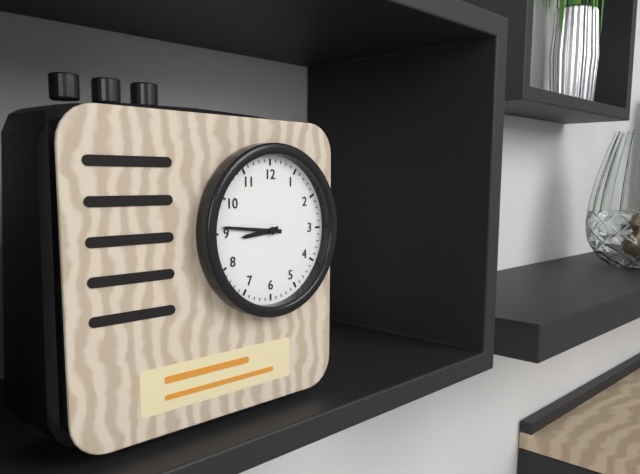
8:46
